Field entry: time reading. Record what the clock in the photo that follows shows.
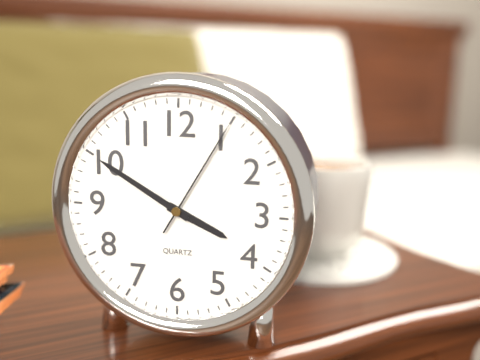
3:50:05
